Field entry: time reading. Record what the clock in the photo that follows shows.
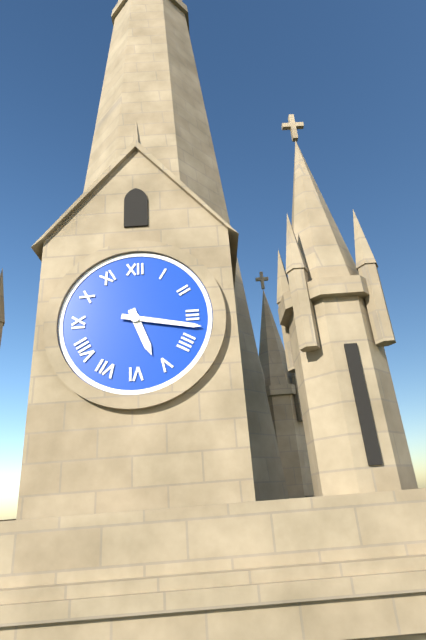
5:17
